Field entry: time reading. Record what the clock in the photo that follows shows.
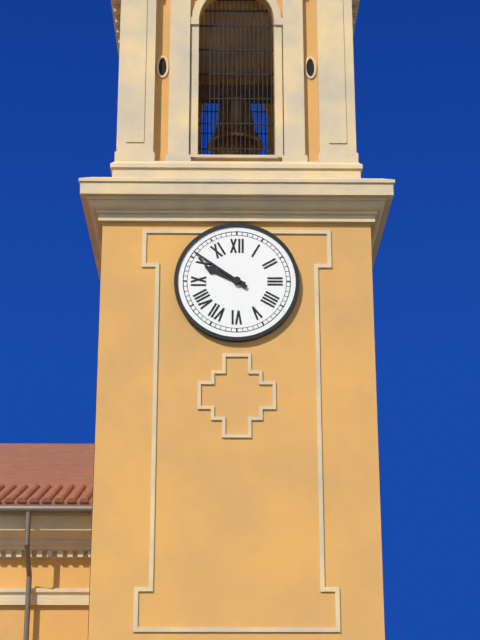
9:51
